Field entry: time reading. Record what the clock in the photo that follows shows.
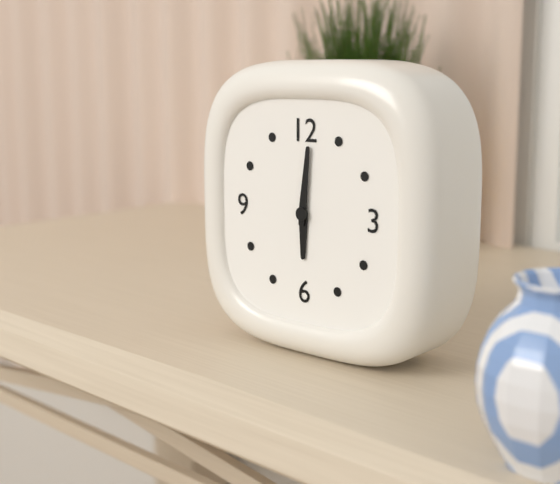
6:01
